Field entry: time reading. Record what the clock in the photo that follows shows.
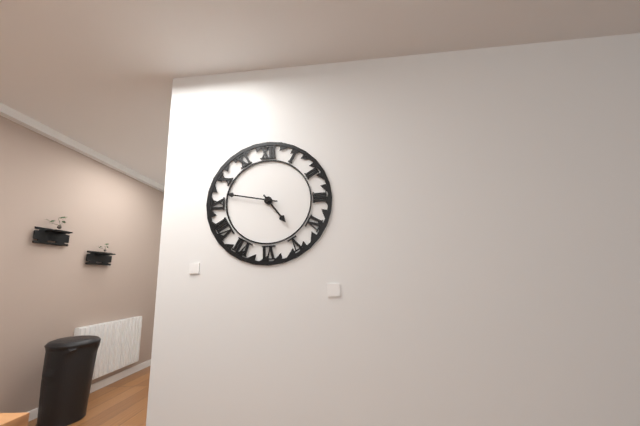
4:47
